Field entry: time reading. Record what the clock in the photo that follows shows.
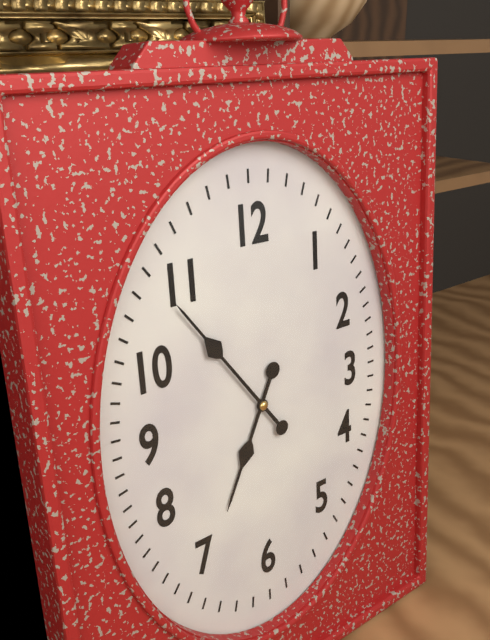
6:54
